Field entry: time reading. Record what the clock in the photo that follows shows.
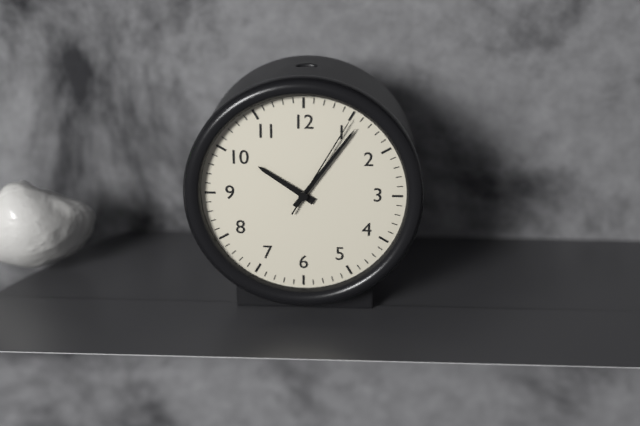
10:06:05
